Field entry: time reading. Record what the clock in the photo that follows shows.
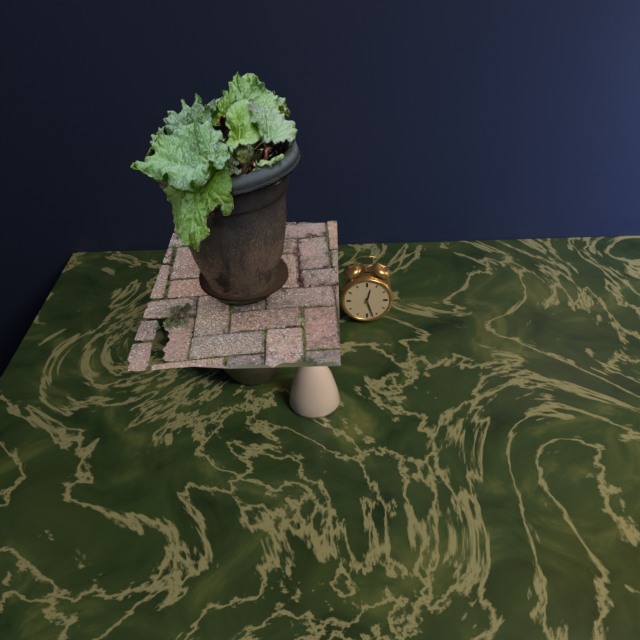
12:27
